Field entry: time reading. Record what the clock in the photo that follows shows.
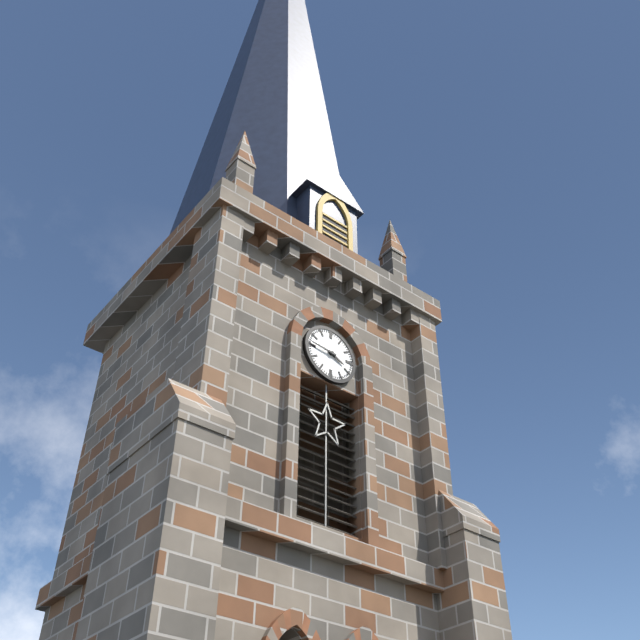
3:46
